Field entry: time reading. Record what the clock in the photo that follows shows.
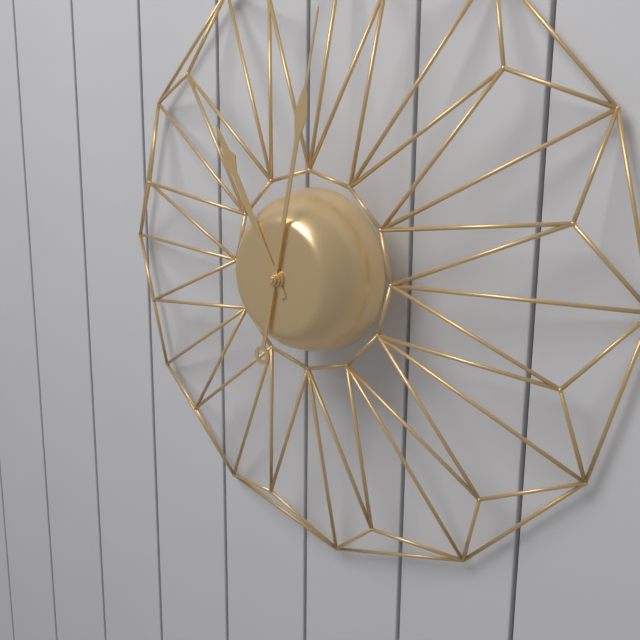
11:02
